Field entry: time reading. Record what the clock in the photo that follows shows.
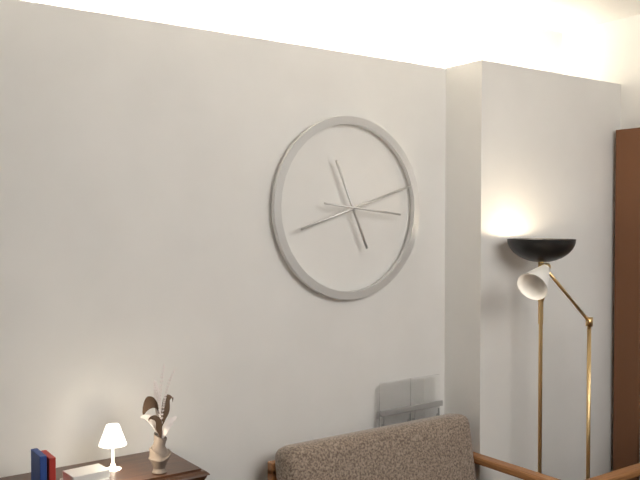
11:12:16
